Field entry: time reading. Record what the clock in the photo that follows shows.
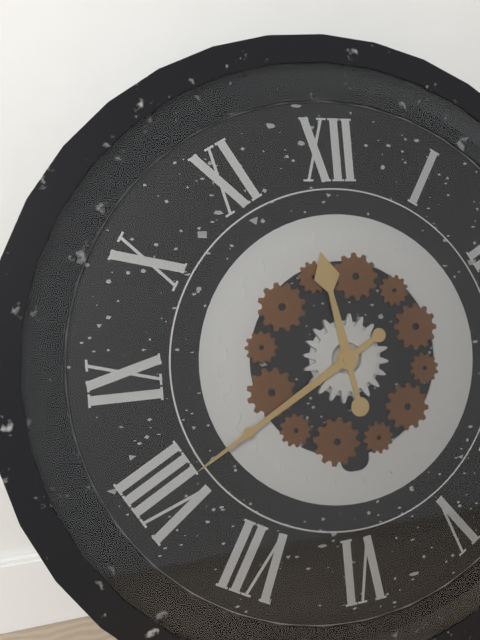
11:40
